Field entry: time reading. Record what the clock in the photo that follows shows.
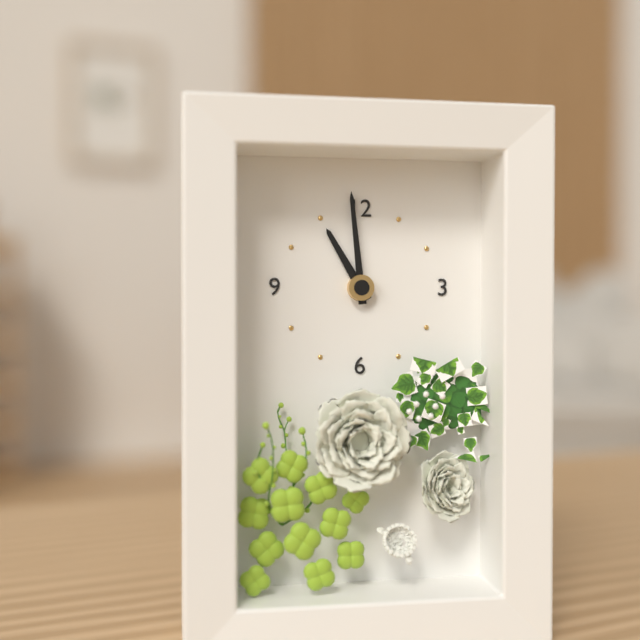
10:59
